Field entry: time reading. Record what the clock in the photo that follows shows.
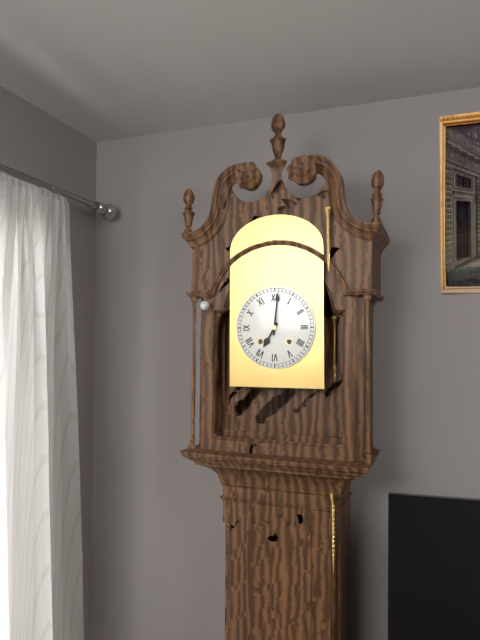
7:01
